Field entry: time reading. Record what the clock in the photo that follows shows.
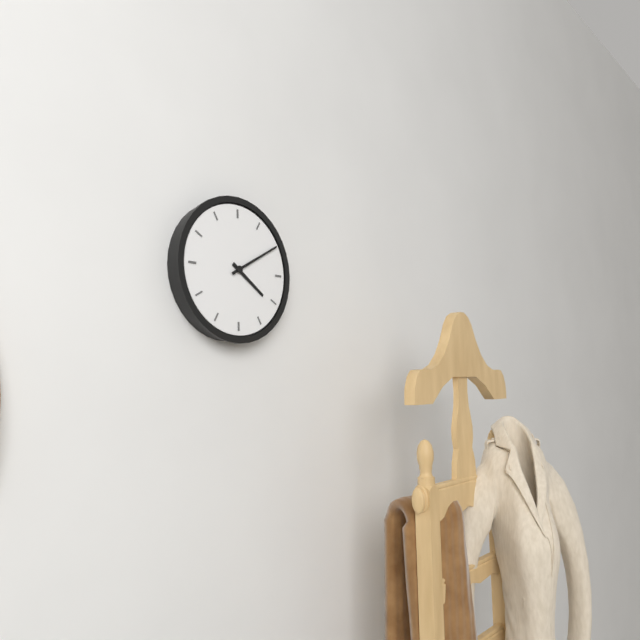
4:10
